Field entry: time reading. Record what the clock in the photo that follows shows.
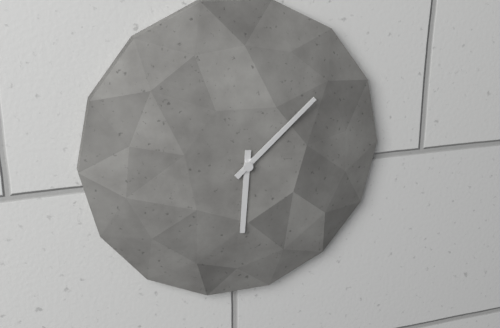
6:08
